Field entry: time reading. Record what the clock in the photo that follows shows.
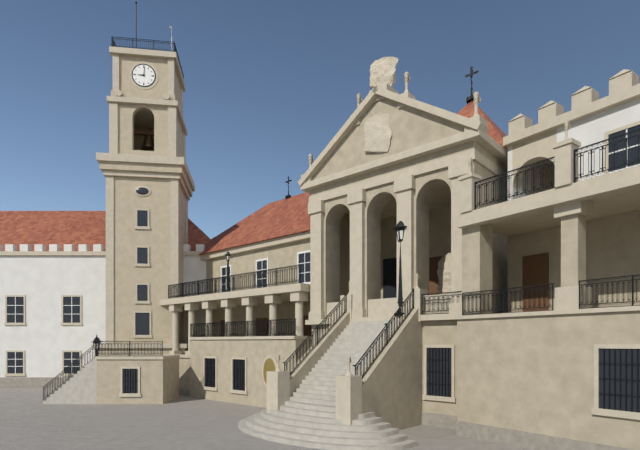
9:01
